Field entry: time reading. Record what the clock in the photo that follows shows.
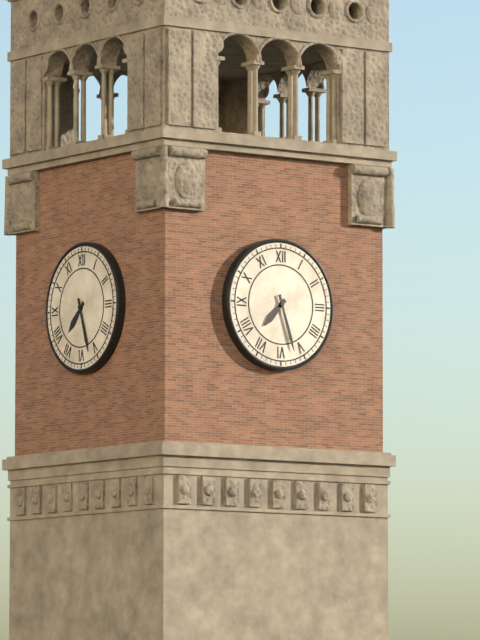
7:27
